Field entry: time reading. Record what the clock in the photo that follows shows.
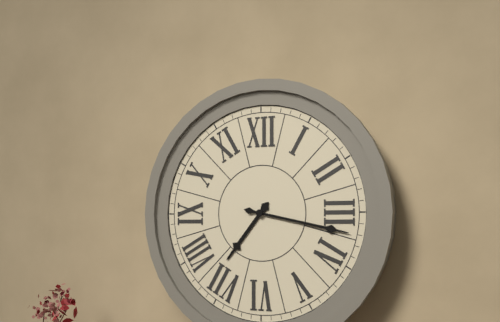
7:17
